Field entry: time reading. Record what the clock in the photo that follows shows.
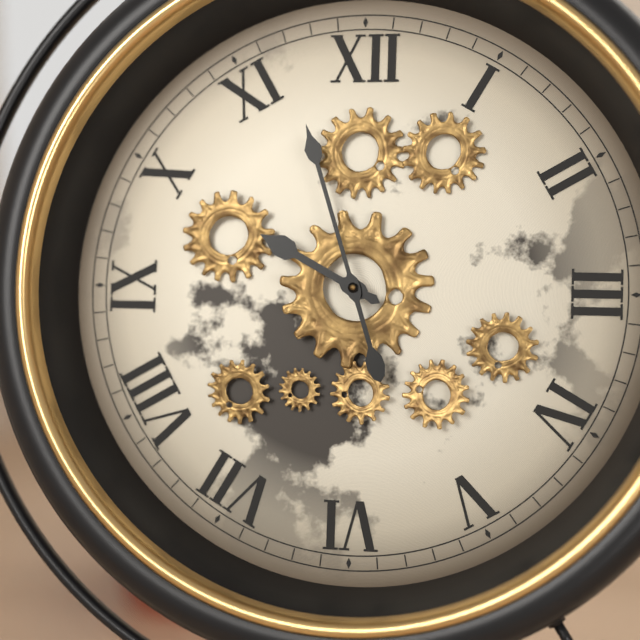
9:57
